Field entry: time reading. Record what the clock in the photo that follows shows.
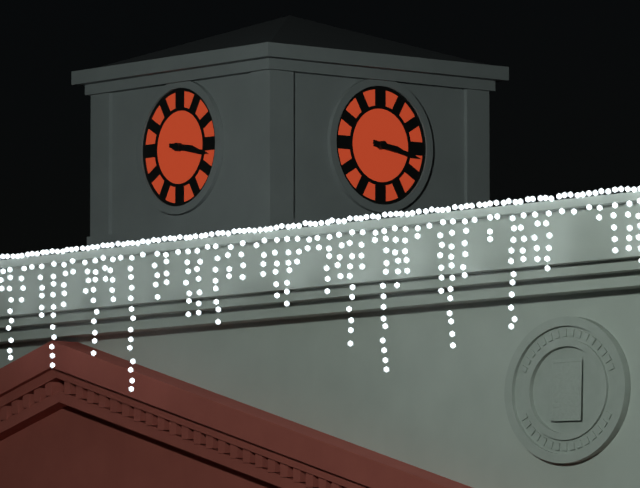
3:17
